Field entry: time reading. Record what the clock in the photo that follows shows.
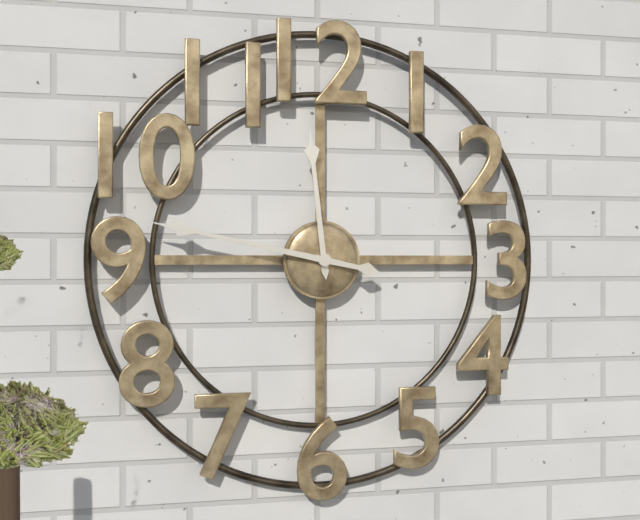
11:47
